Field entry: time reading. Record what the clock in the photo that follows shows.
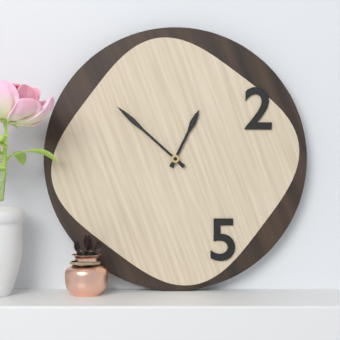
12:52
